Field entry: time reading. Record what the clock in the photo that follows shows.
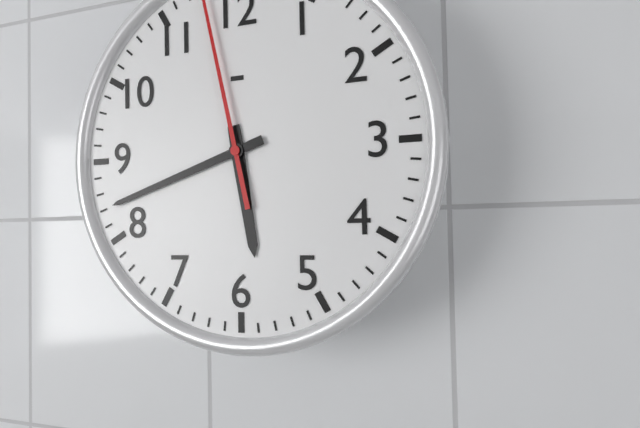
5:42
